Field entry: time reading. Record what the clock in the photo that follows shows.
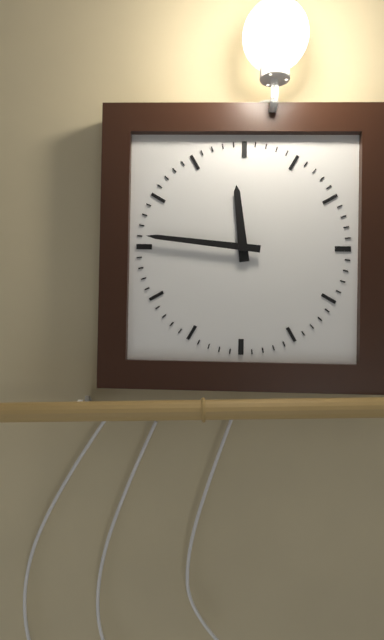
11:46
